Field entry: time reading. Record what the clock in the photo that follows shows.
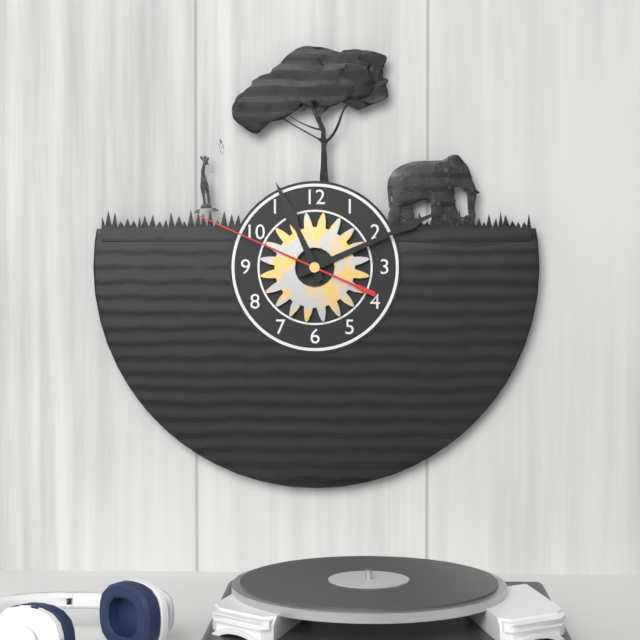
11:11:49
